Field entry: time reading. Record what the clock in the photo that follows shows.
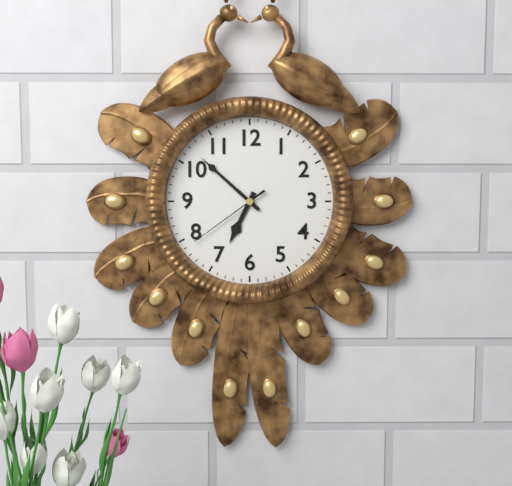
6:52:39
